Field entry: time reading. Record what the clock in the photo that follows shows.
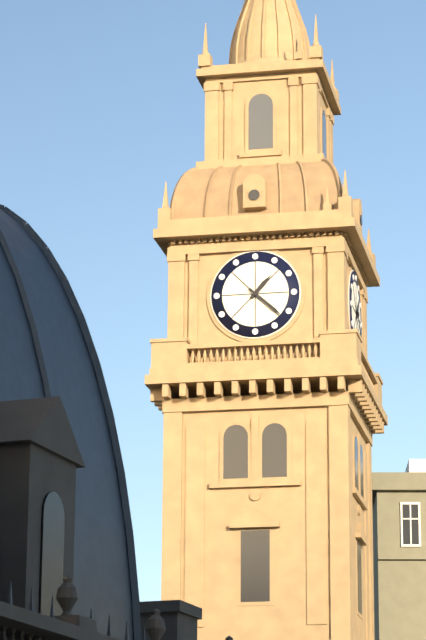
1:22
